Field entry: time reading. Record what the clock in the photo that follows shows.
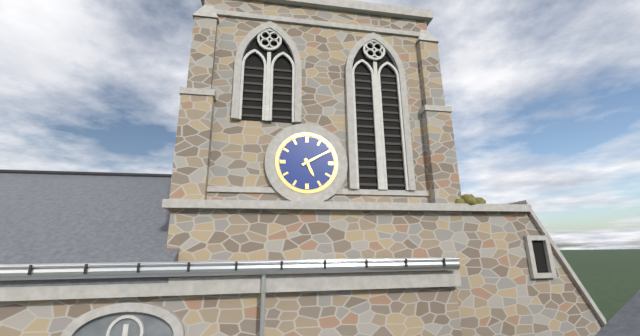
5:10
